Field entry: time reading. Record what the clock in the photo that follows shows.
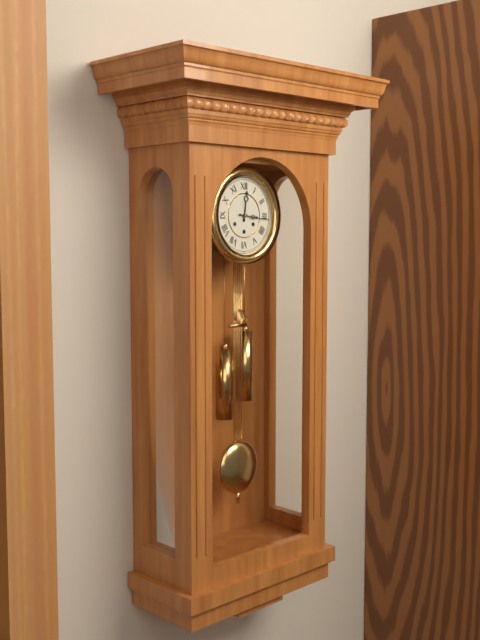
12:16
